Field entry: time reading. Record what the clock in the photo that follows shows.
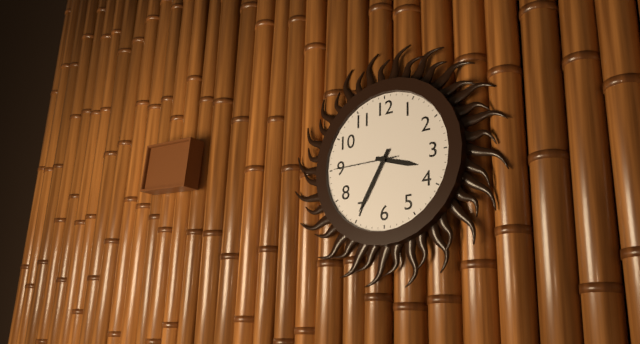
3:35:45
